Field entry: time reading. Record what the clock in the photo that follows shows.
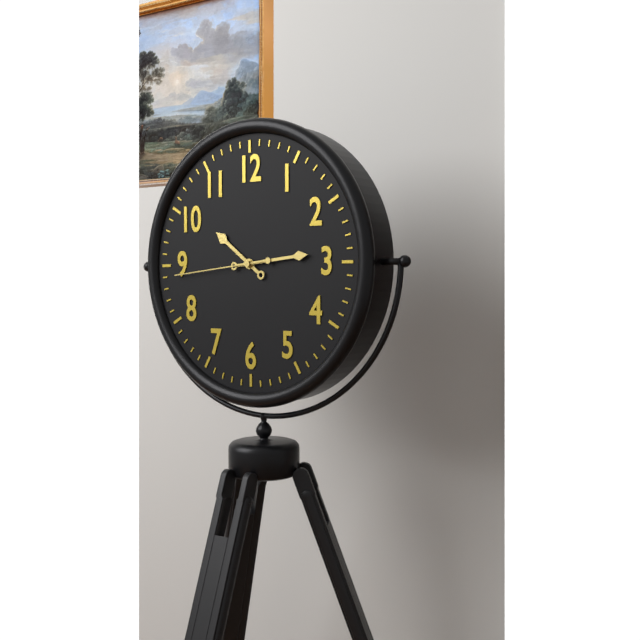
10:14:44
